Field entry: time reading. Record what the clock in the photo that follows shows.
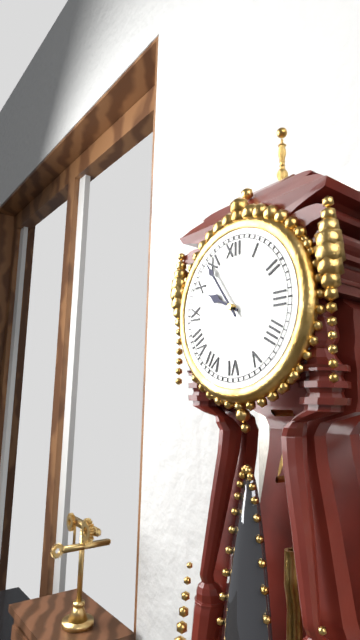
9:54
